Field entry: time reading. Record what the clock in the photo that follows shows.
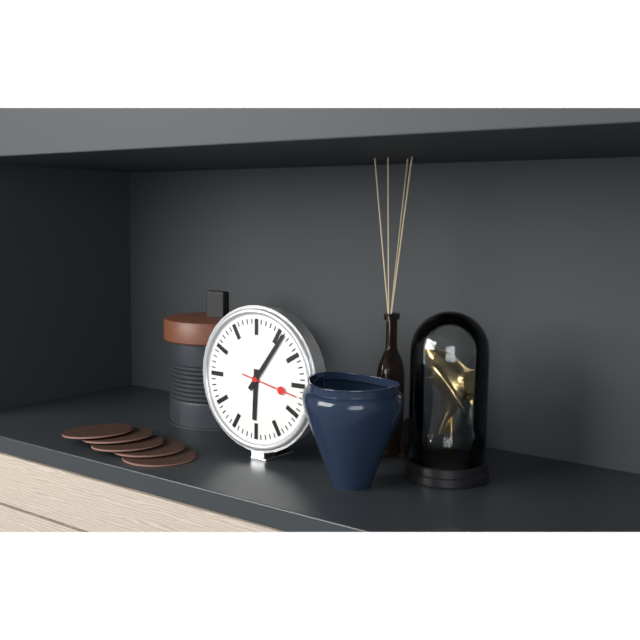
6:06
